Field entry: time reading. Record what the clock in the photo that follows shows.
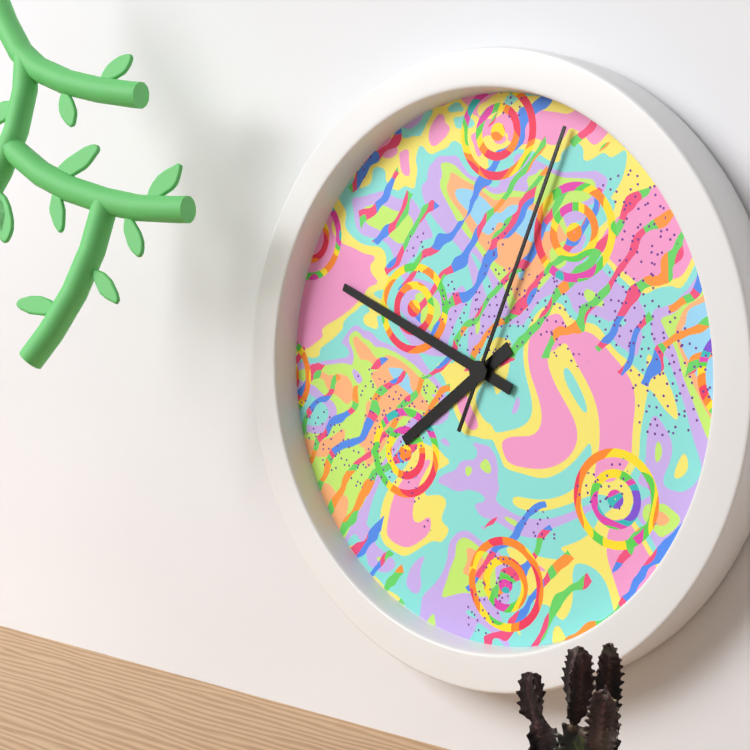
7:49:04
